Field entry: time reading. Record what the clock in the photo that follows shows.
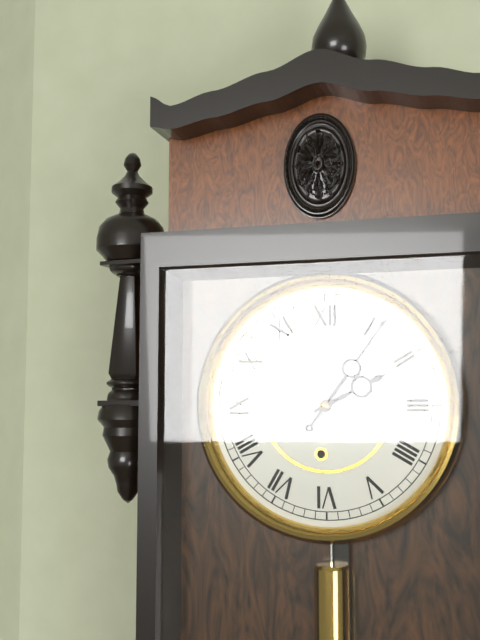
2:06
